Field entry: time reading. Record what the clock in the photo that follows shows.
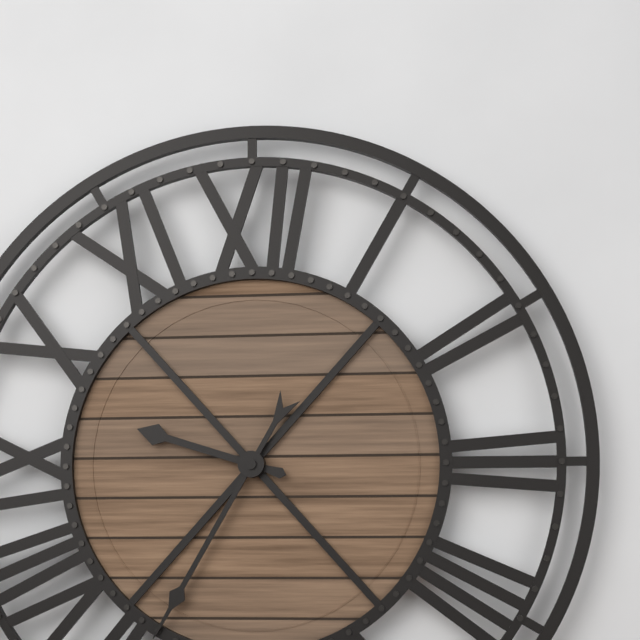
9:35
